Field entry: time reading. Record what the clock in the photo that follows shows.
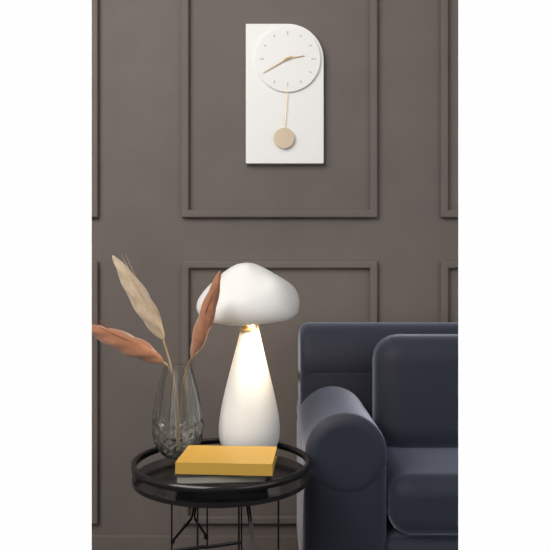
2:40
